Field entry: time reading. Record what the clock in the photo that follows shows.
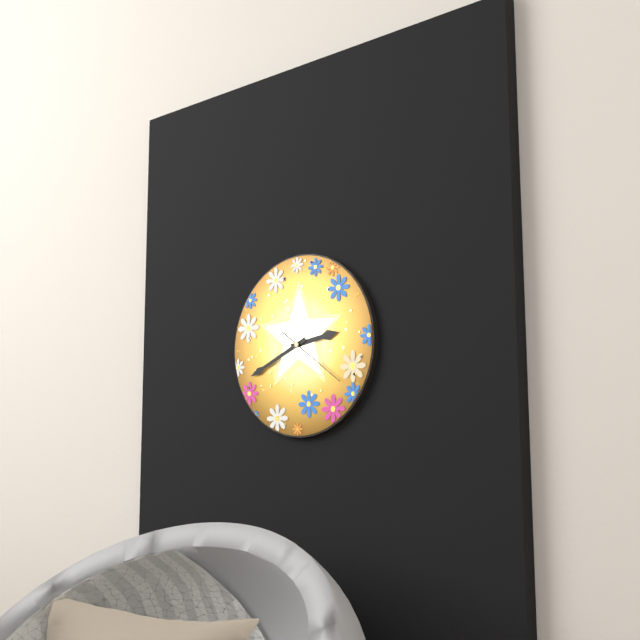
2:41:21
